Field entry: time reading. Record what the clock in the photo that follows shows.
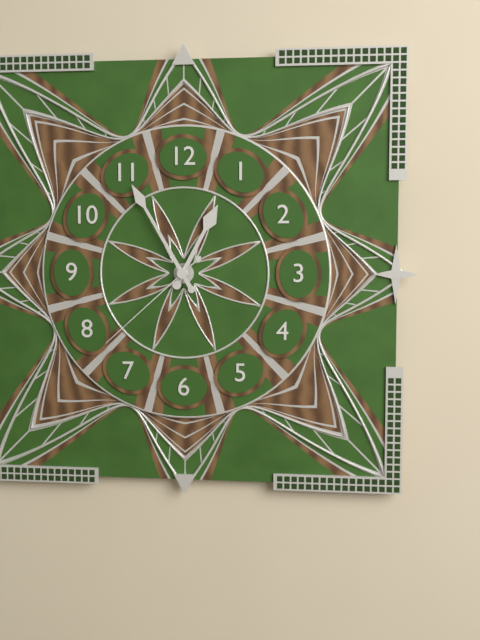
12:55:38
